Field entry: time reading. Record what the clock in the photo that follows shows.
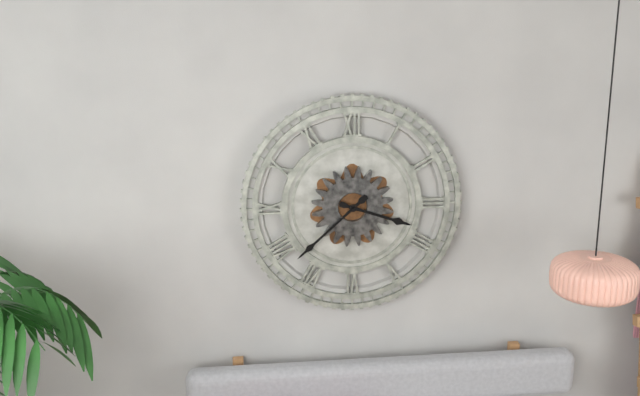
3:38
